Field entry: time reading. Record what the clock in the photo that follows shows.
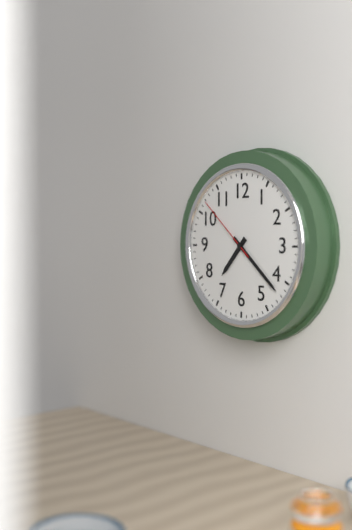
7:22:52
